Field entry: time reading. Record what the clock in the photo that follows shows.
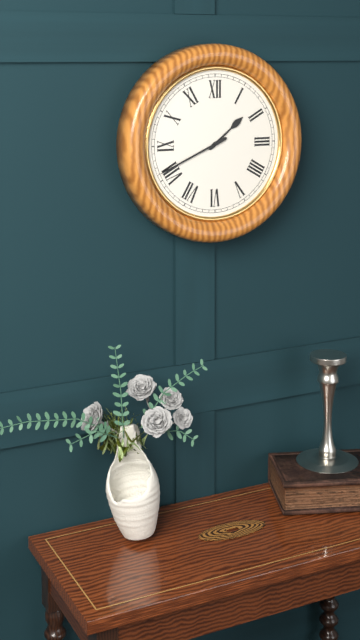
1:41
